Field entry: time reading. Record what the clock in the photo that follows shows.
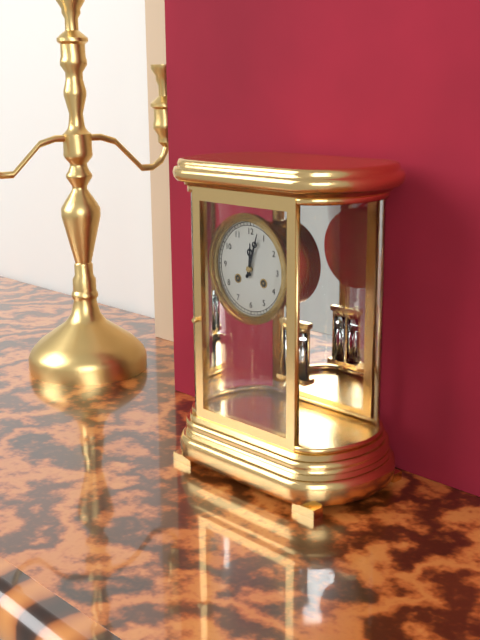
12:03
